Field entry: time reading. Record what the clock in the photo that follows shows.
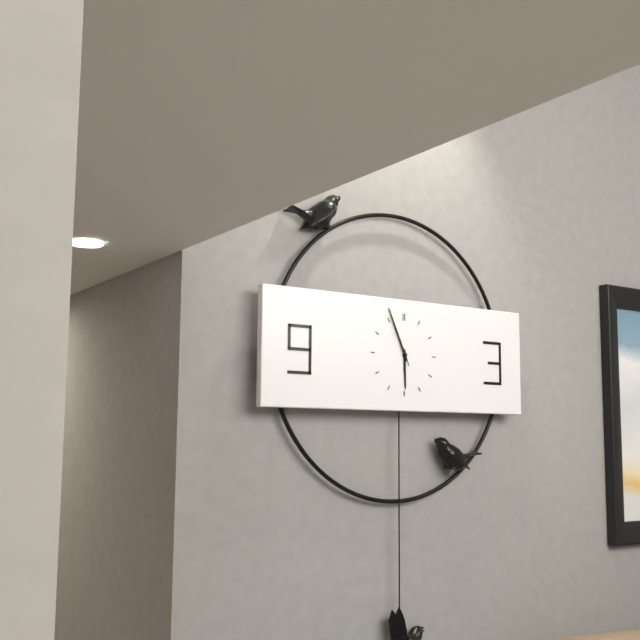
5:56:56
